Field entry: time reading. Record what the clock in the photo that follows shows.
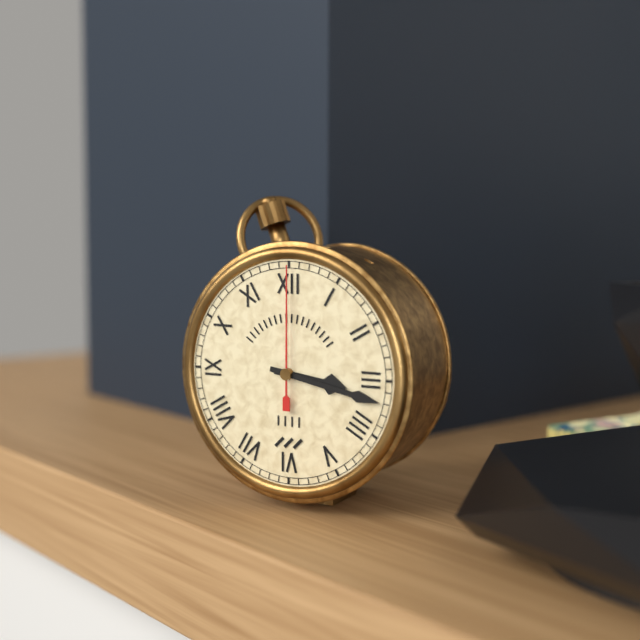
3:17:00
